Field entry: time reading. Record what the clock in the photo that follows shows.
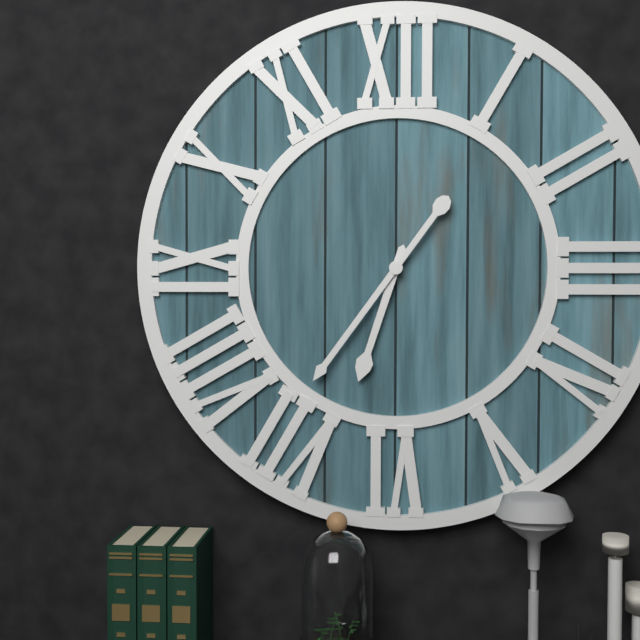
6:36
